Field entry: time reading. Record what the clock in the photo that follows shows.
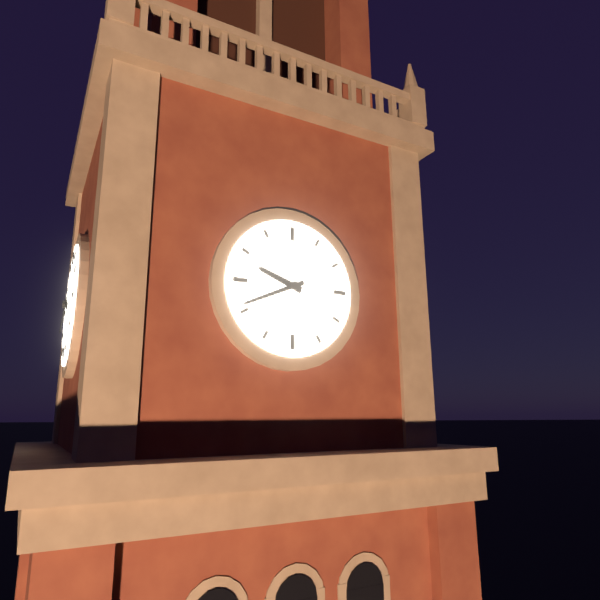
9:41
